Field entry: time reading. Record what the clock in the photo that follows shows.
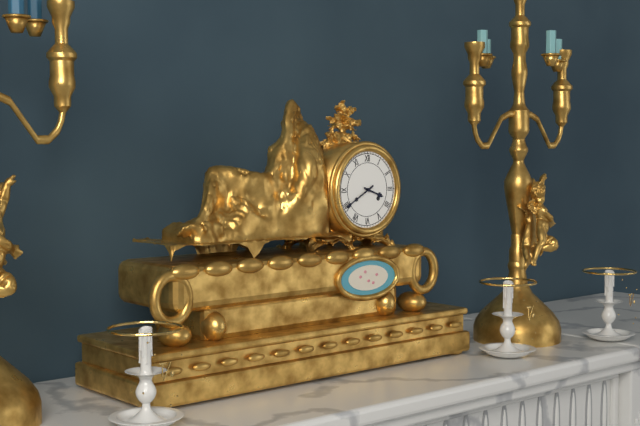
3:40
